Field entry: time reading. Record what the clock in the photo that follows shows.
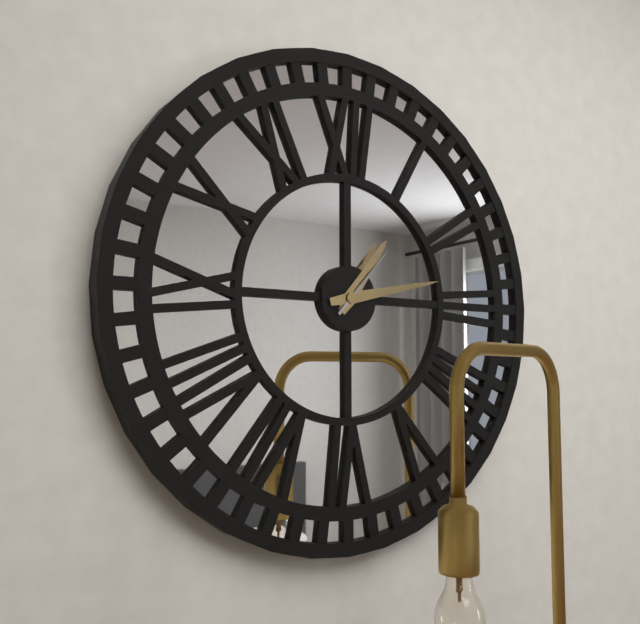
1:13:07
